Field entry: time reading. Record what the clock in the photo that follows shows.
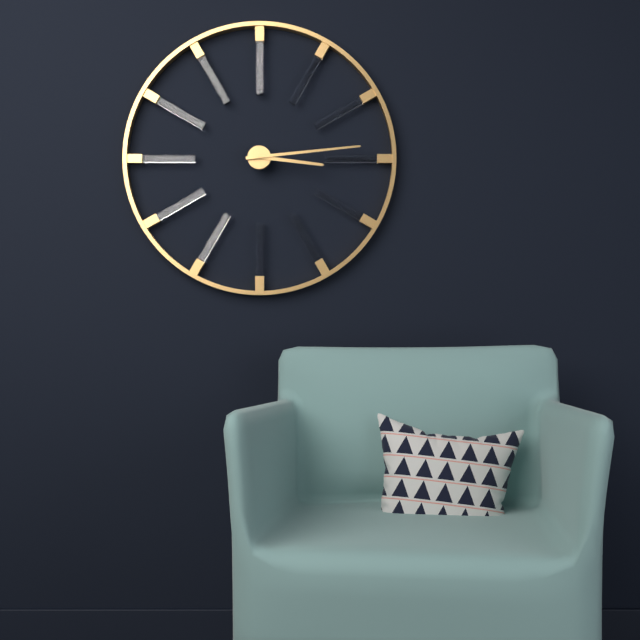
3:14
